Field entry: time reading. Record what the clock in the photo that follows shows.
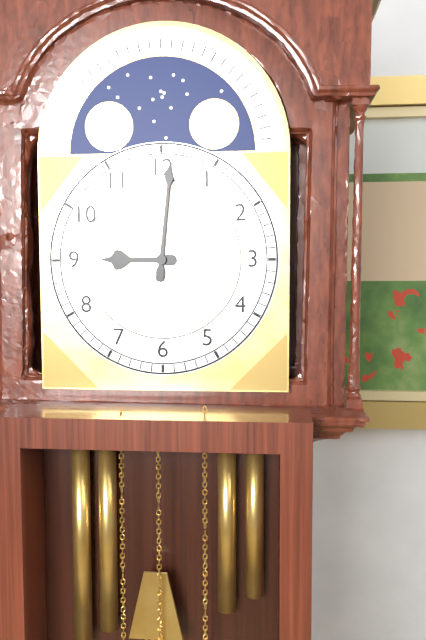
9:01
